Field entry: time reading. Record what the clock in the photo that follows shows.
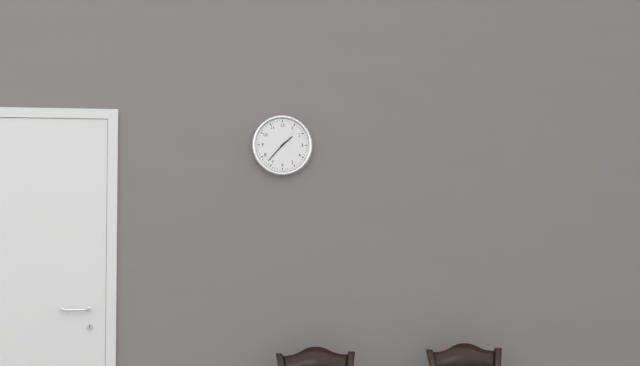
1:37
